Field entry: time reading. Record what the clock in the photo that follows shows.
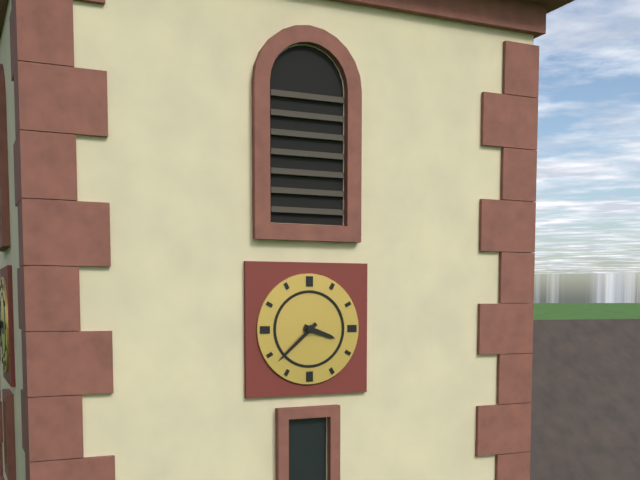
3:38
